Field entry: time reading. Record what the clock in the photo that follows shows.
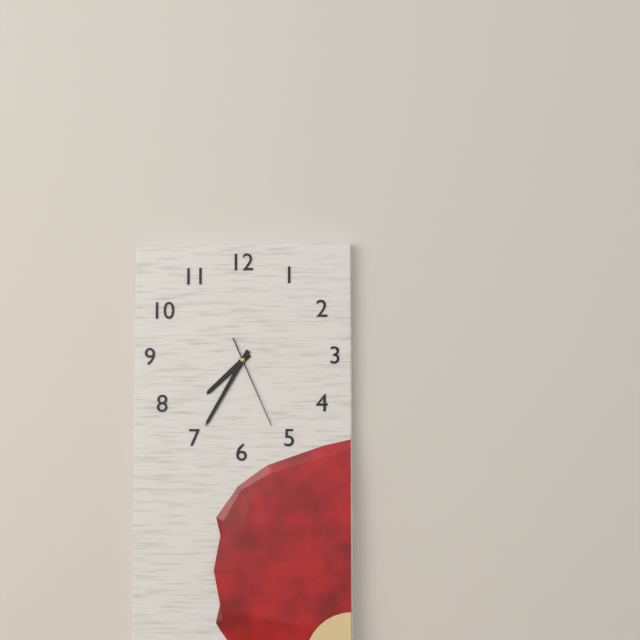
7:35:26
